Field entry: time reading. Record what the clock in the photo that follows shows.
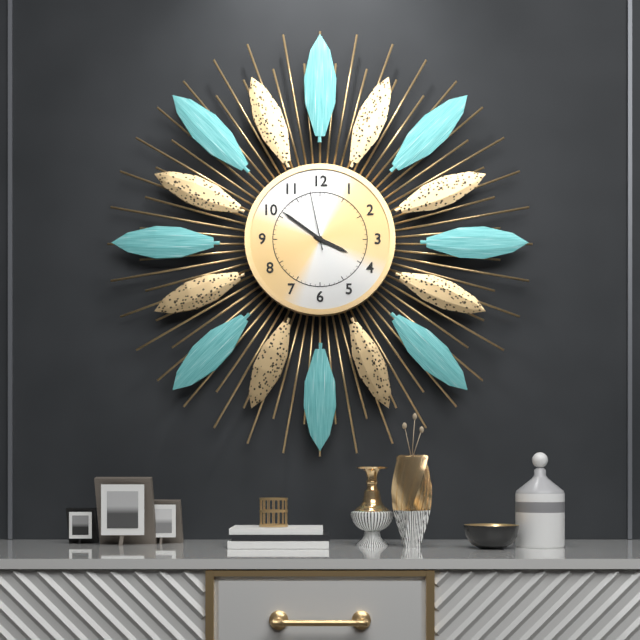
3:51:58
